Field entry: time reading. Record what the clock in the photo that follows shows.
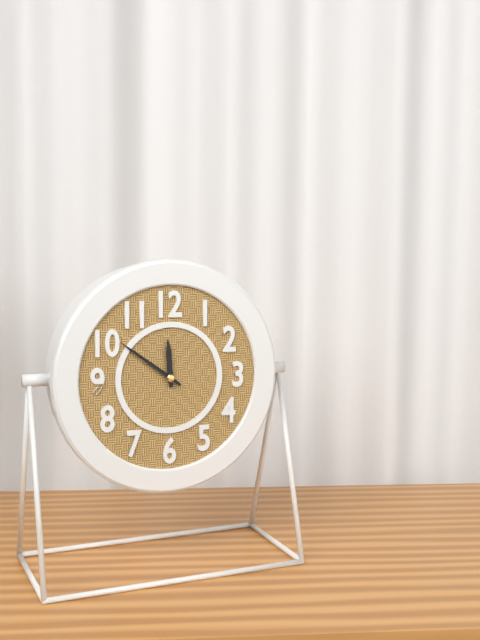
11:51
